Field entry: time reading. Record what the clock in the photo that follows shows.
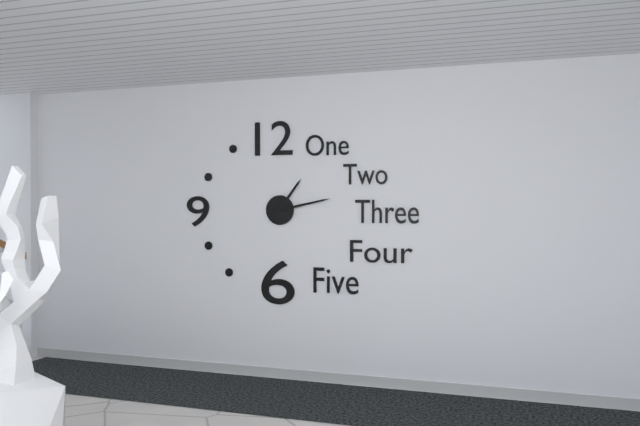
1:13
